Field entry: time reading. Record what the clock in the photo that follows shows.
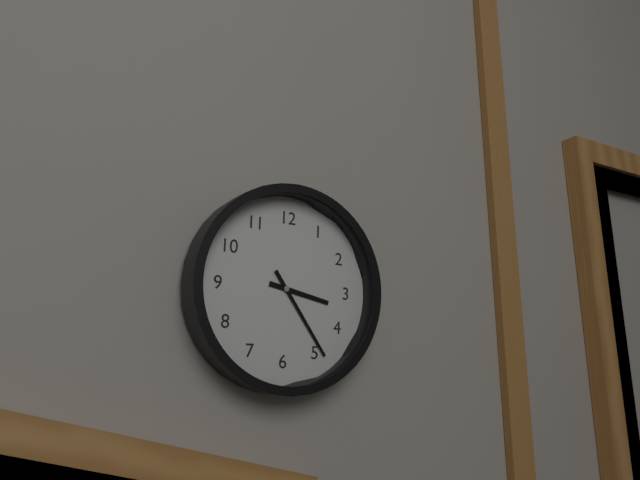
3:24
